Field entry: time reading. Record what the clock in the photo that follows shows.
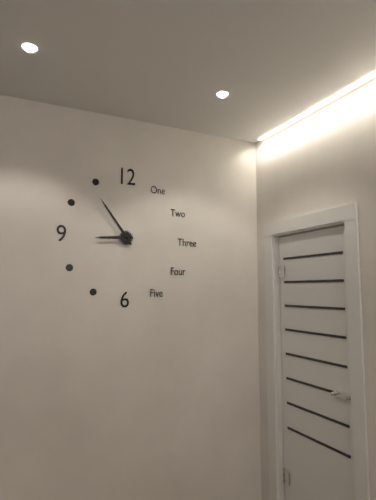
8:54
